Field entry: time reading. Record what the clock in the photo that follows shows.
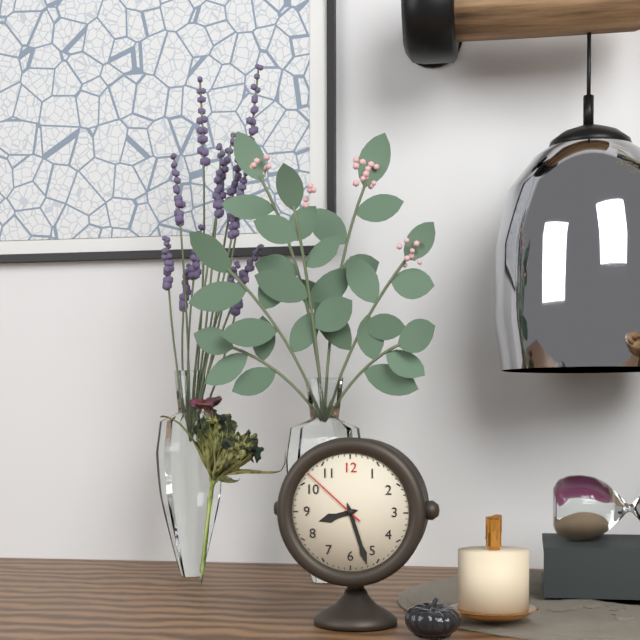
8:27:52
